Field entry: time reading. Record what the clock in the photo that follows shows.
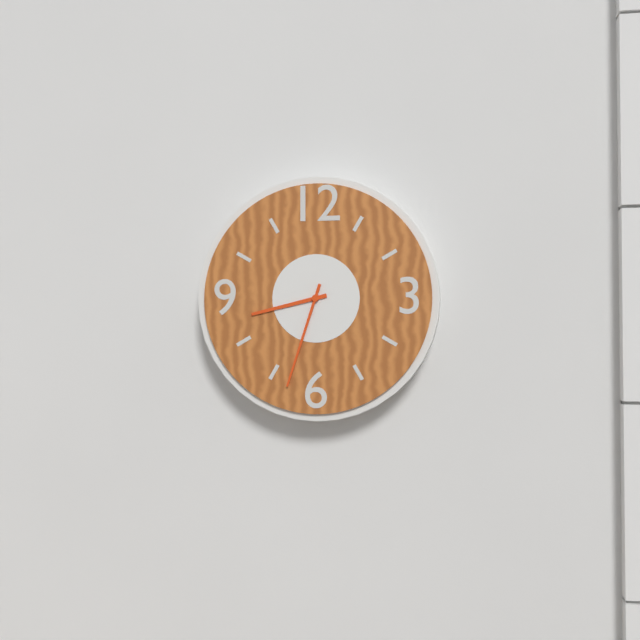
8:33
